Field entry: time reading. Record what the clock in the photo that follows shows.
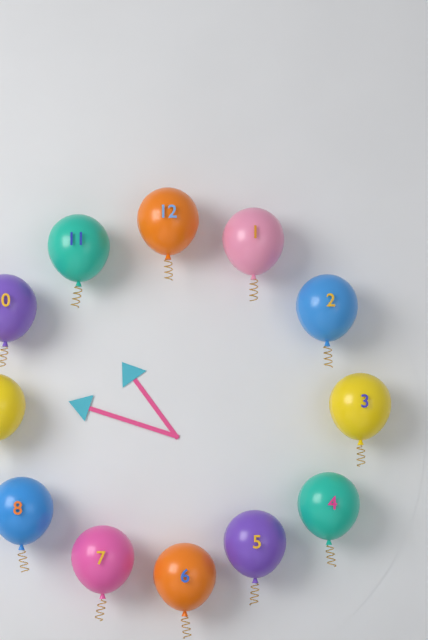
10:48
